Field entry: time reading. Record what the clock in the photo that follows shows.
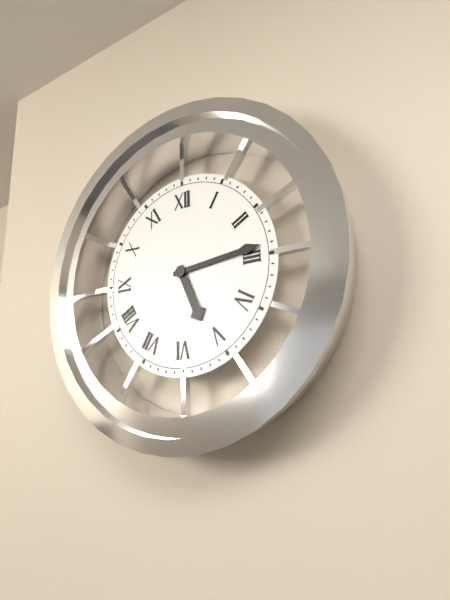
5:14
